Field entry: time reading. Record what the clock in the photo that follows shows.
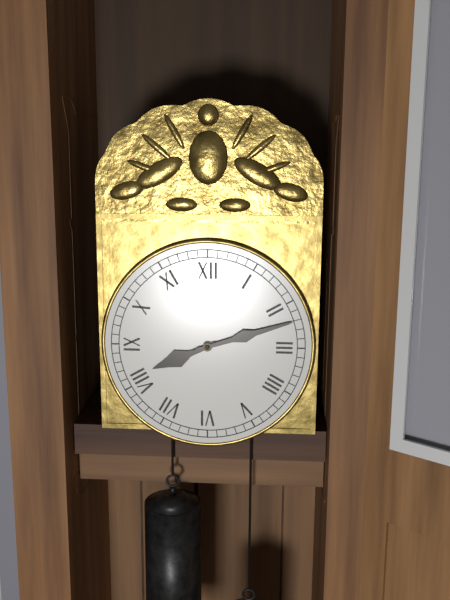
8:12
